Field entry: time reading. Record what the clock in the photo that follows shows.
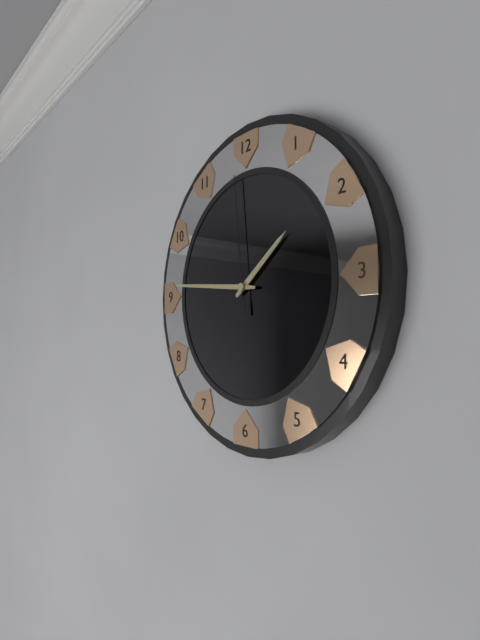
1:46:59
